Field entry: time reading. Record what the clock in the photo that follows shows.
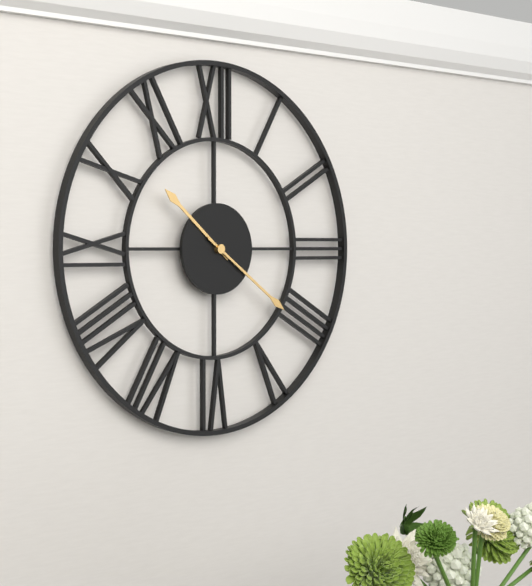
10:21
